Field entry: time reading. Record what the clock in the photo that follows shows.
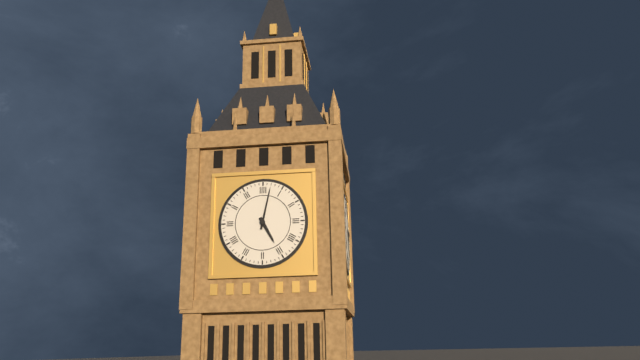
5:02
